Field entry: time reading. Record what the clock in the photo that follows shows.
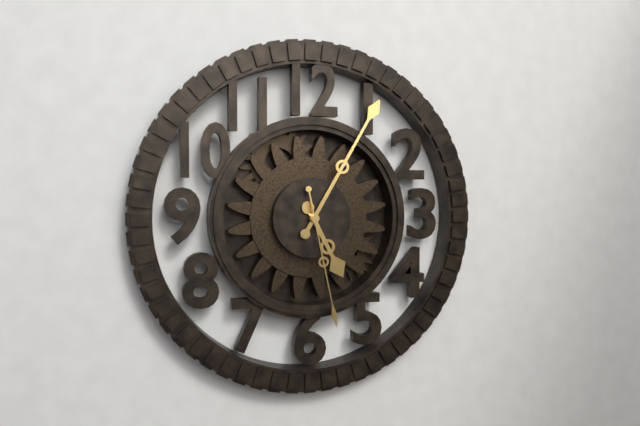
5:05:28
